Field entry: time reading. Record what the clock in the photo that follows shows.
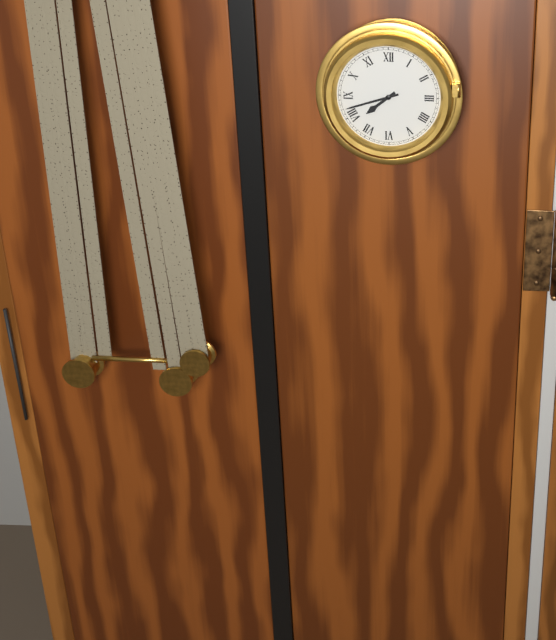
7:42
